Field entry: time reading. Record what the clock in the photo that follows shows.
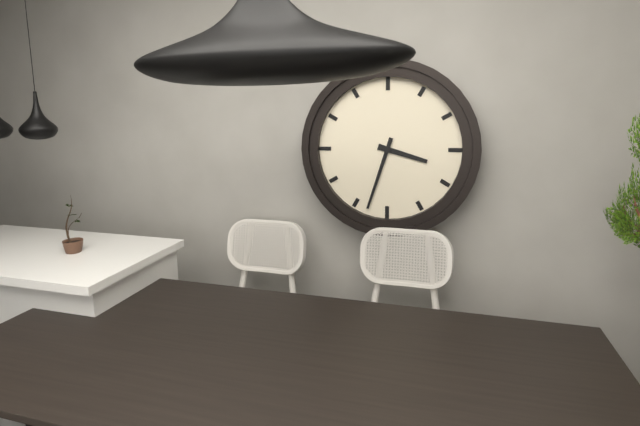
3:33
